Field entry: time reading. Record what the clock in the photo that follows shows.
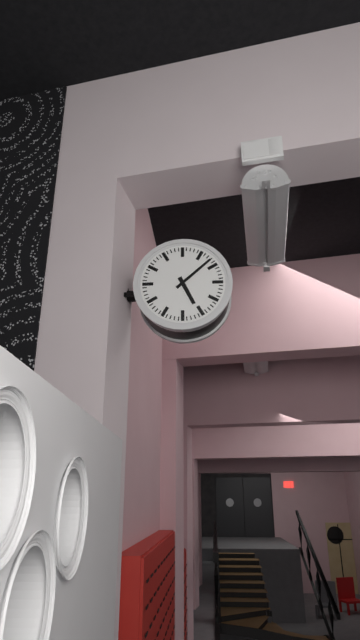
5:08
